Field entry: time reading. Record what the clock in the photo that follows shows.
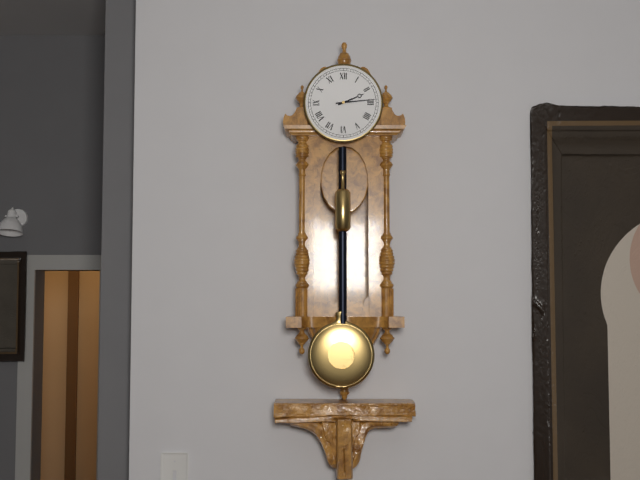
2:14
